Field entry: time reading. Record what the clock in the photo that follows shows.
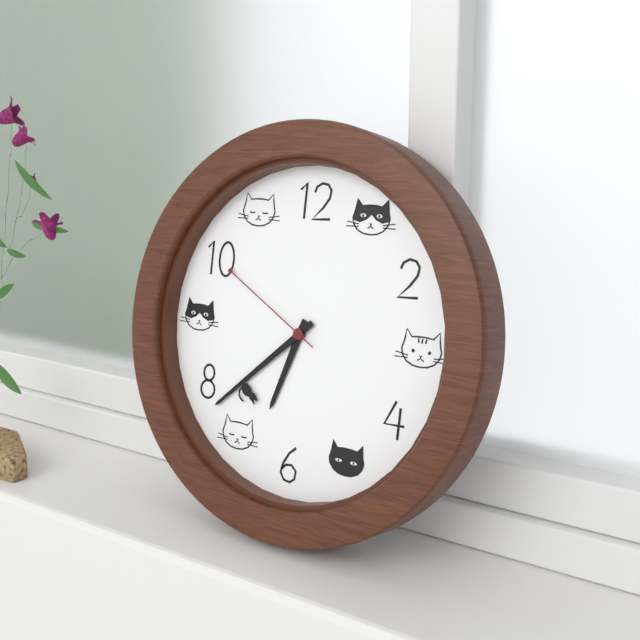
6:38:50
